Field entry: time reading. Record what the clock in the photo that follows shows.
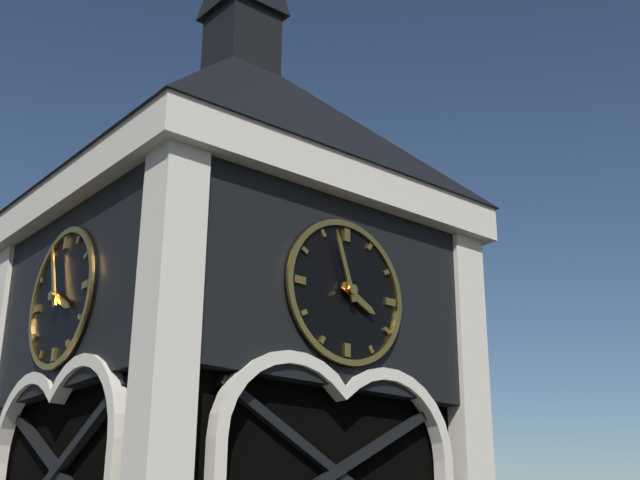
3:57
